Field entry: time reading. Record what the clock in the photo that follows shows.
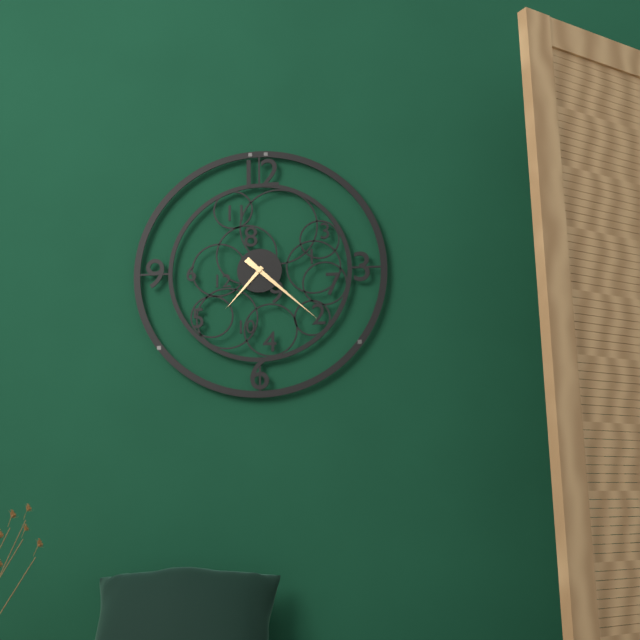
7:22
